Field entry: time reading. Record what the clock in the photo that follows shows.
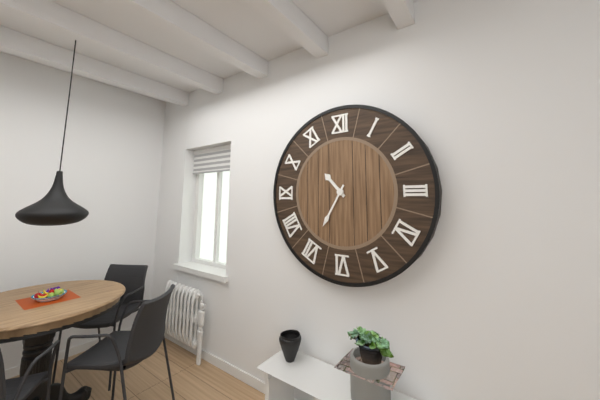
10:35
